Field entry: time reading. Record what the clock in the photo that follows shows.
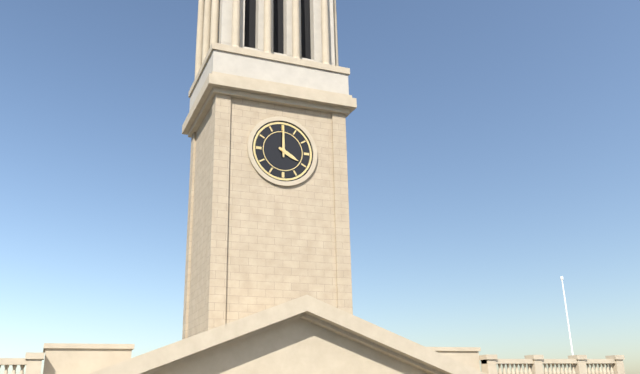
4:00
